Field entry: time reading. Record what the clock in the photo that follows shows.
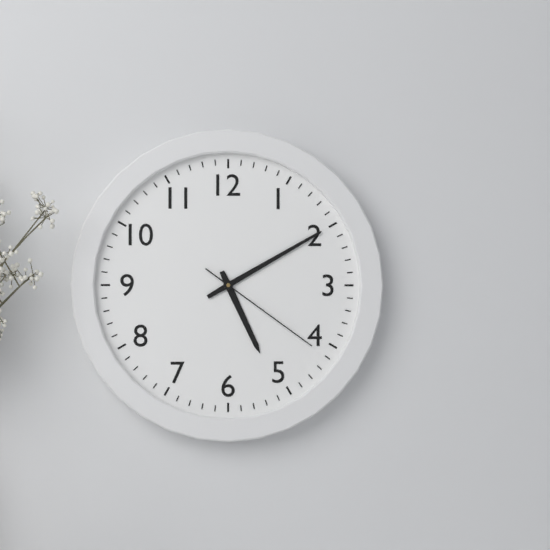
5:10:21
